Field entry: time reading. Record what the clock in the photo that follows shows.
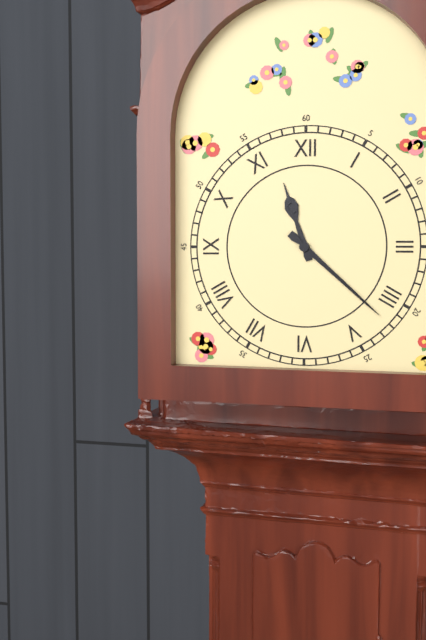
11:22
